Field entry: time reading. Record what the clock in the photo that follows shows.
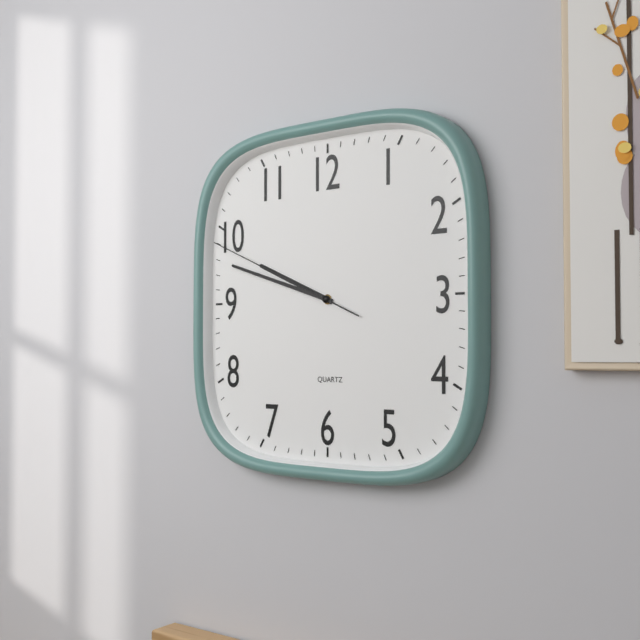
9:48:49
